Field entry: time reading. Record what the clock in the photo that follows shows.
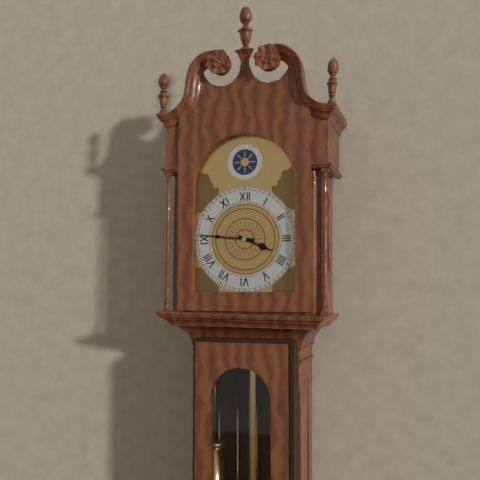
3:46
